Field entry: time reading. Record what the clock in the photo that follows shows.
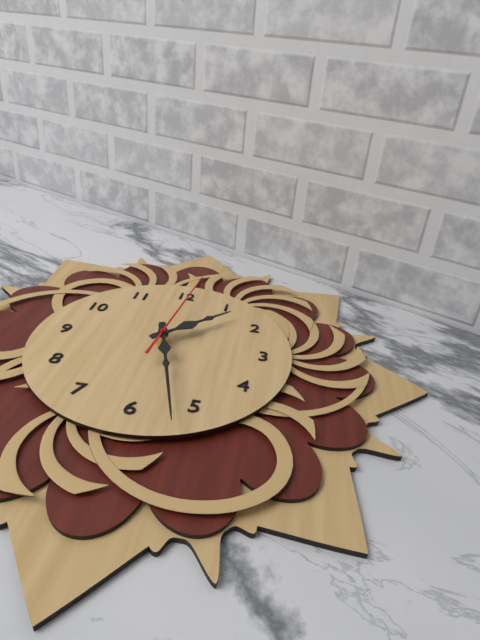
1:27:01
